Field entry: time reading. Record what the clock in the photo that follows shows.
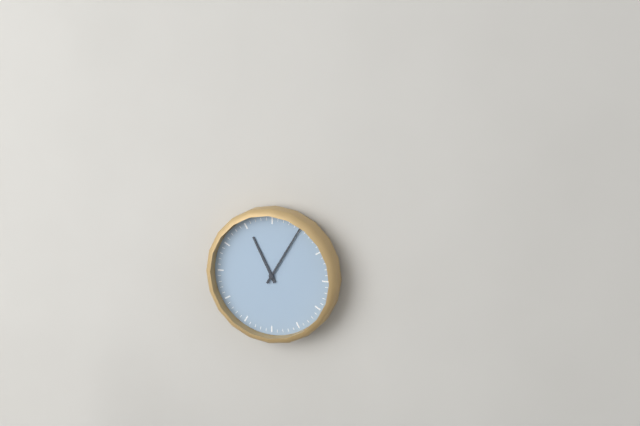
11:05
